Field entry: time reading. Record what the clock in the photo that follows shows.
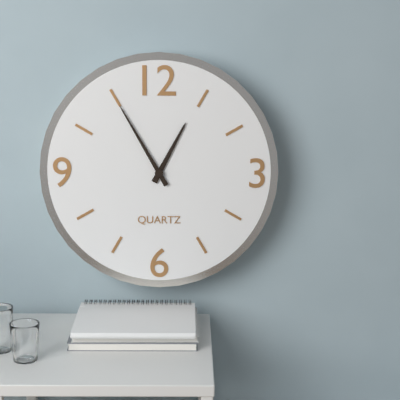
12:55
